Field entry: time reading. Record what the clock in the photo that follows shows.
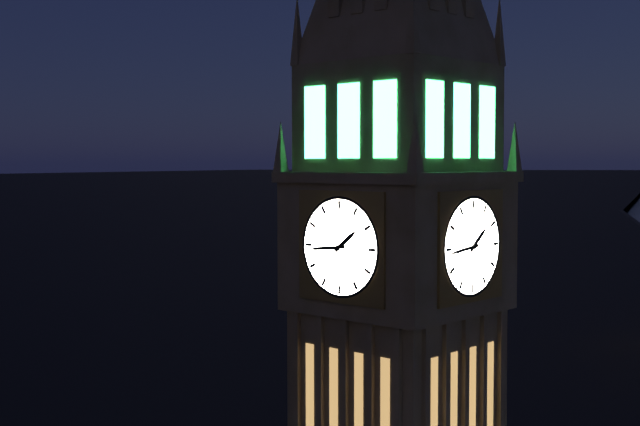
1:44
